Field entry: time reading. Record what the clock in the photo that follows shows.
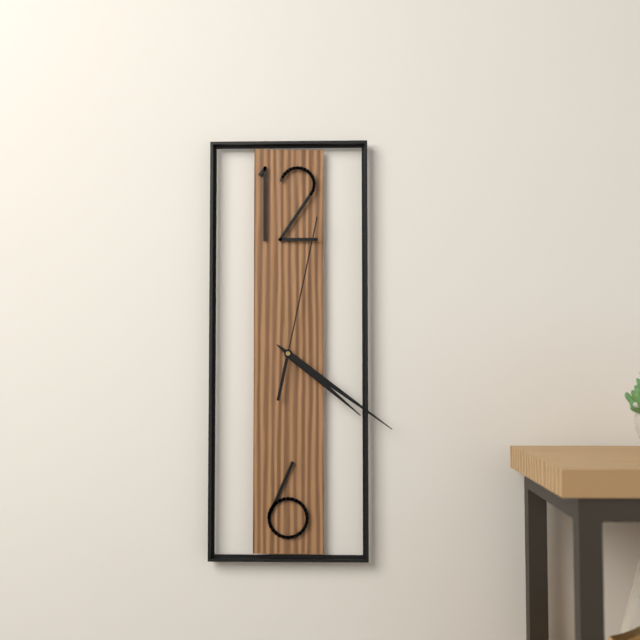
4:21:02
